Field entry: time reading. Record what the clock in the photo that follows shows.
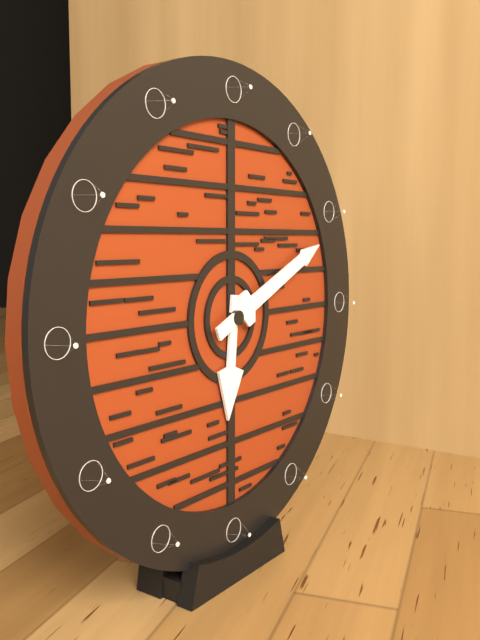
6:11
